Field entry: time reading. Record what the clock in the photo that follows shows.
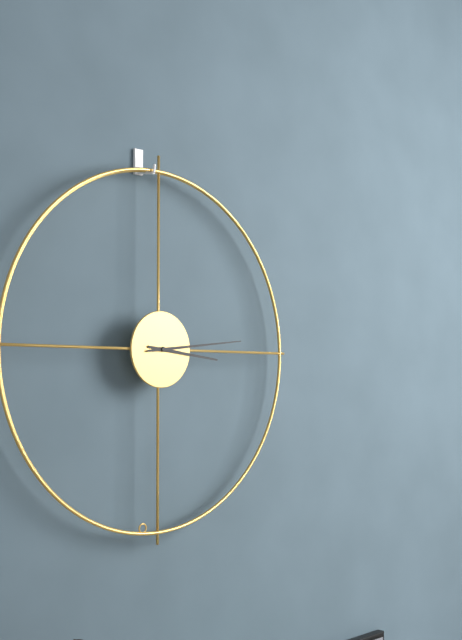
3:14
